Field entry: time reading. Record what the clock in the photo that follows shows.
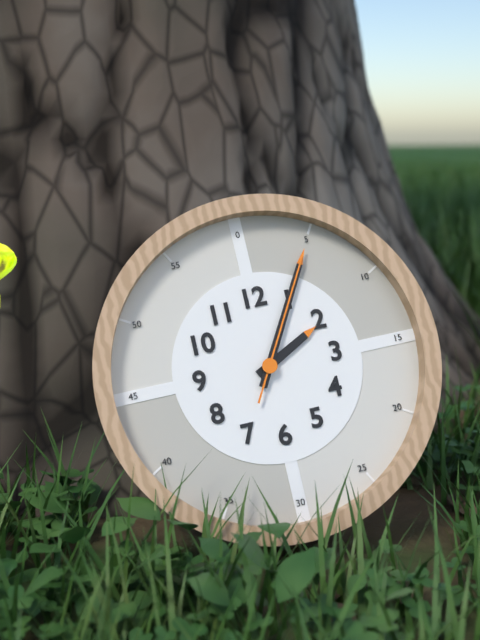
2:05:05
